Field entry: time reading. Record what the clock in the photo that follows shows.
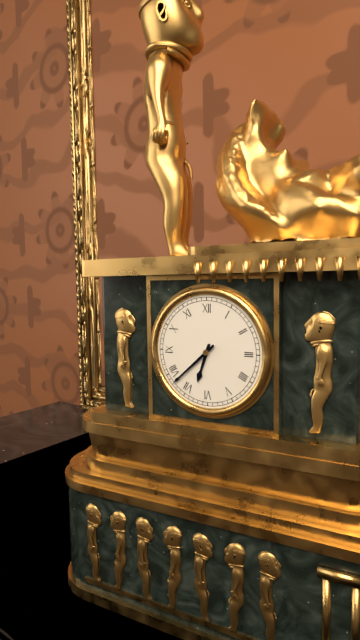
6:38
